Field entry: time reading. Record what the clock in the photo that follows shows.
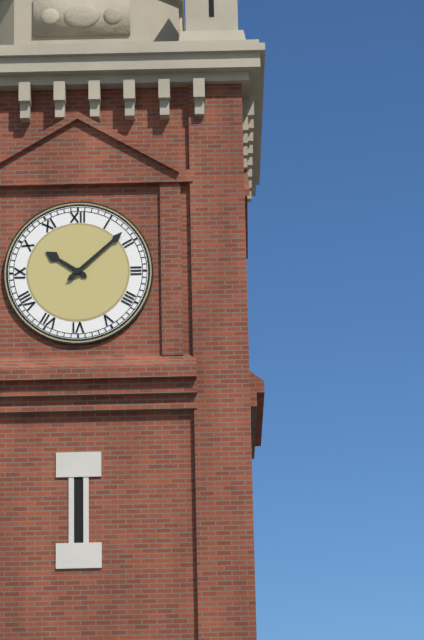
10:08
